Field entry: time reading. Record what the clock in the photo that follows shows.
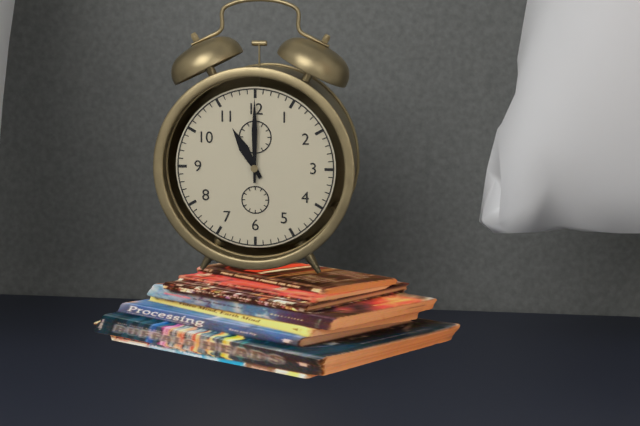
11:00
